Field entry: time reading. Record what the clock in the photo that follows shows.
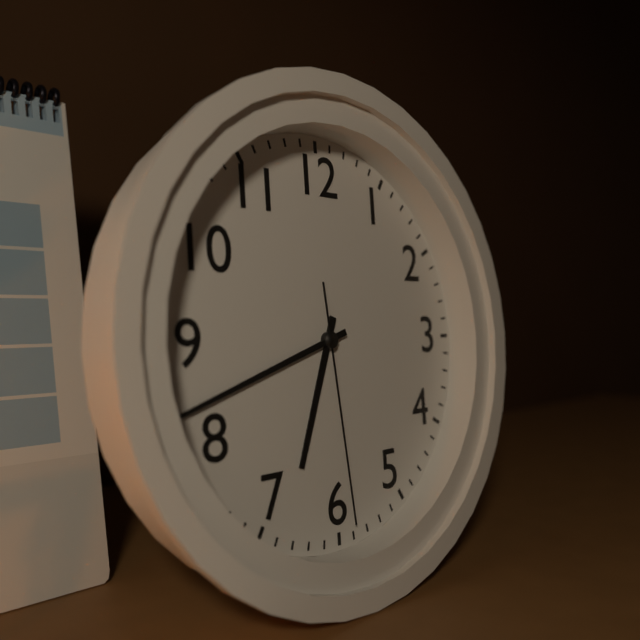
6:42:29
